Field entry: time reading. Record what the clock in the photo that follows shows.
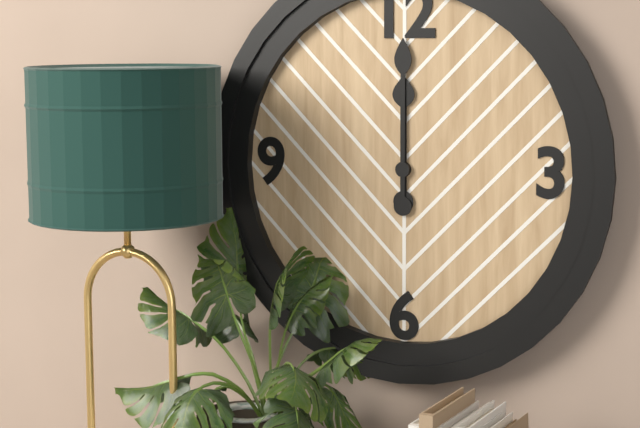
12:00
